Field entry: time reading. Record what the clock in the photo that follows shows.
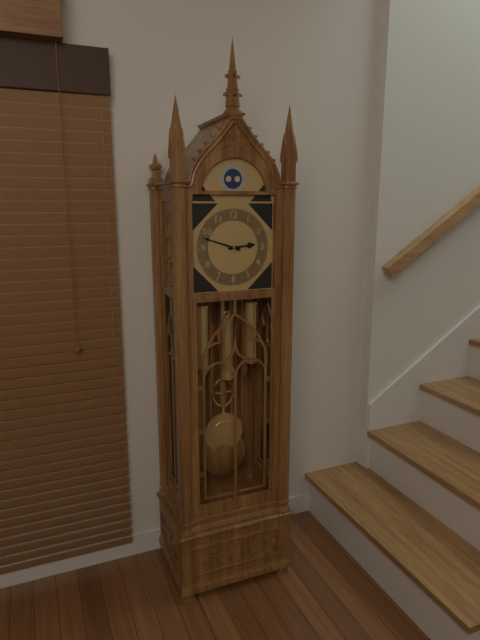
2:48
